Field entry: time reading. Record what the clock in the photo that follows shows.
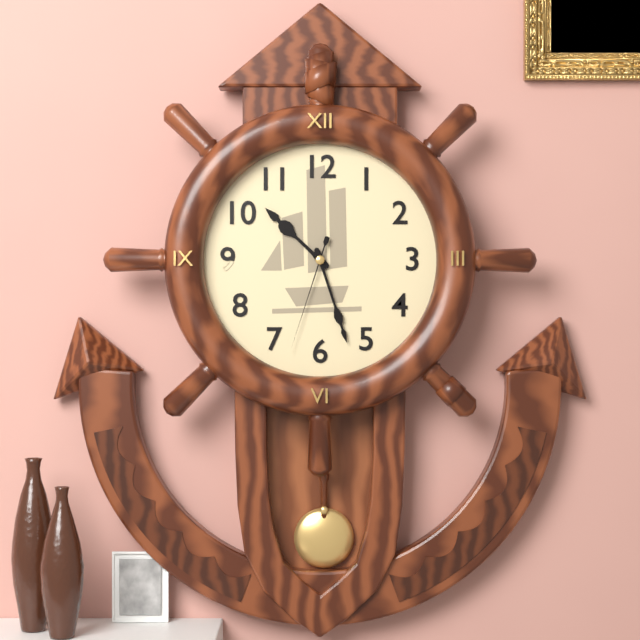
10:27:33
